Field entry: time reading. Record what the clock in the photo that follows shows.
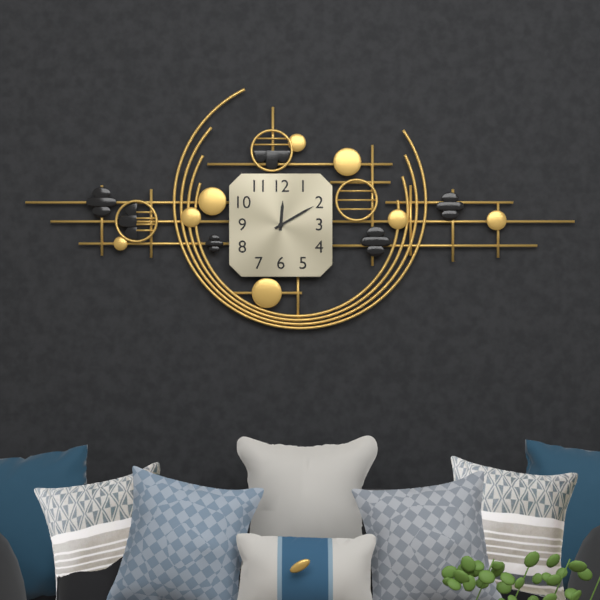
12:10
